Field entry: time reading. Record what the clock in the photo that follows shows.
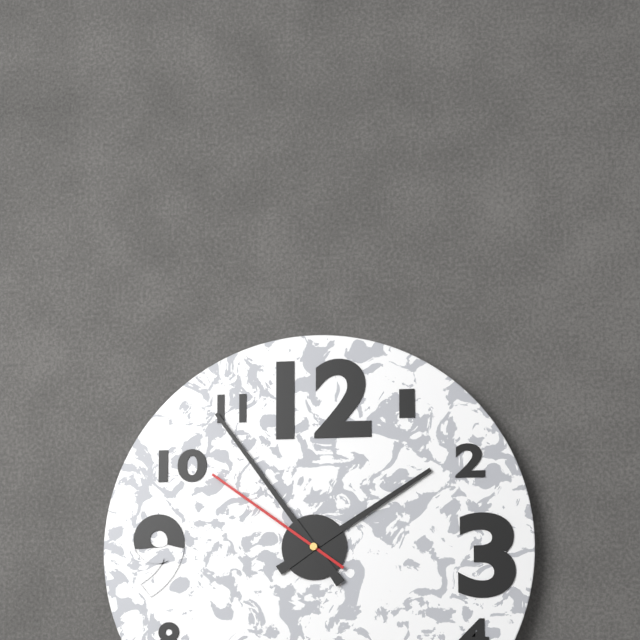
1:54:51
